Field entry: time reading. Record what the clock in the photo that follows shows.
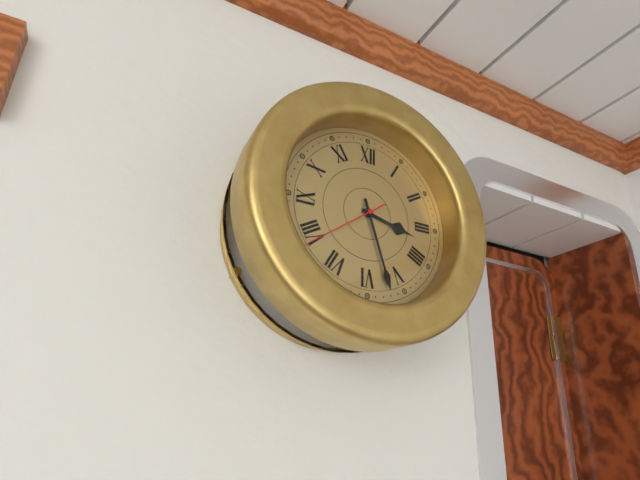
3:27:39
